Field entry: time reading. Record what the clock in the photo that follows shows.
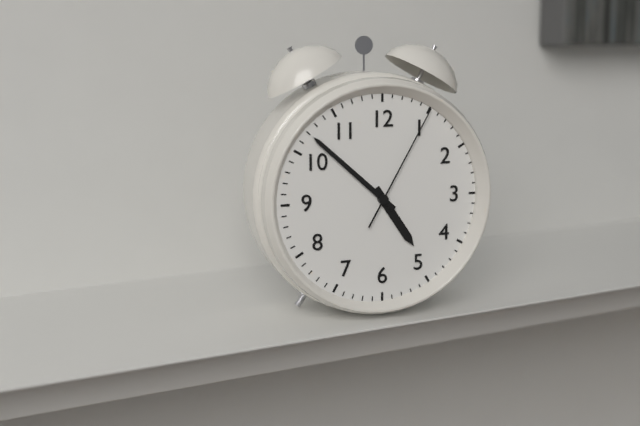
4:52:05
